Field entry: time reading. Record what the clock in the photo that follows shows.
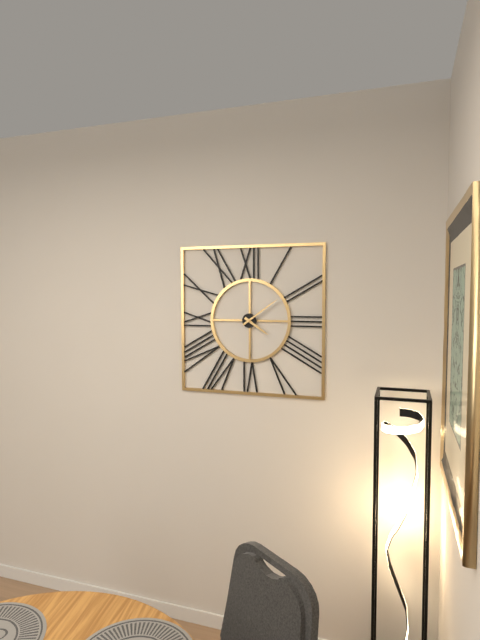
4:09
